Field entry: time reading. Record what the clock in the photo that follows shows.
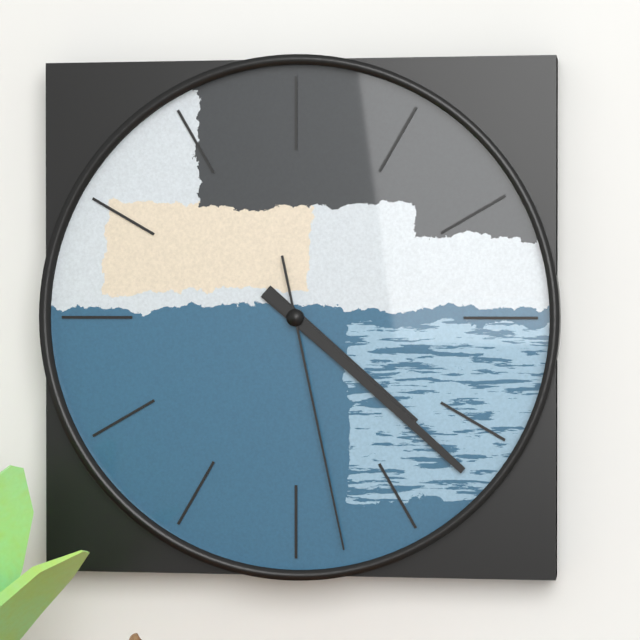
4:22:28
